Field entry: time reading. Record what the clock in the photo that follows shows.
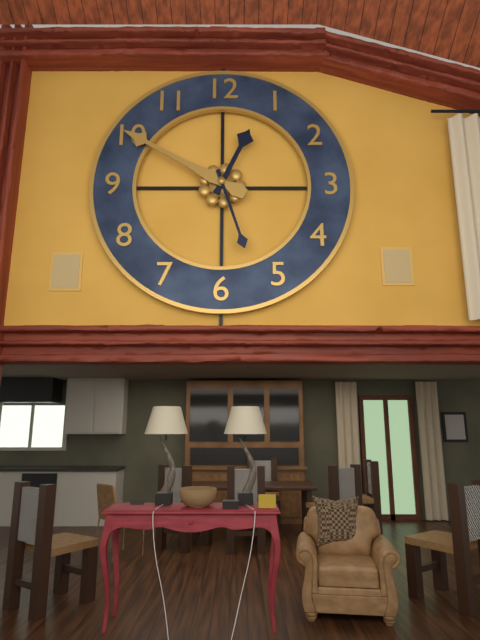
12:50:27
